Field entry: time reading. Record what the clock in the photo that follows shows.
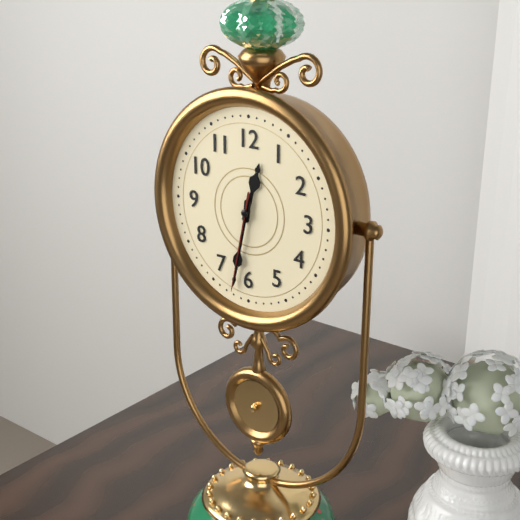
12:32:32
